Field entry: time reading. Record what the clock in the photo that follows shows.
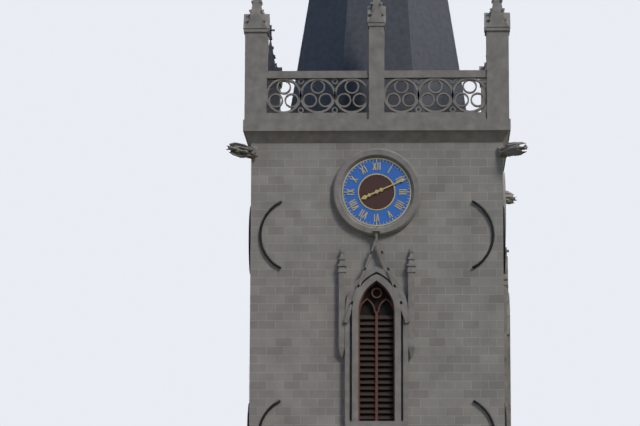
8:11
